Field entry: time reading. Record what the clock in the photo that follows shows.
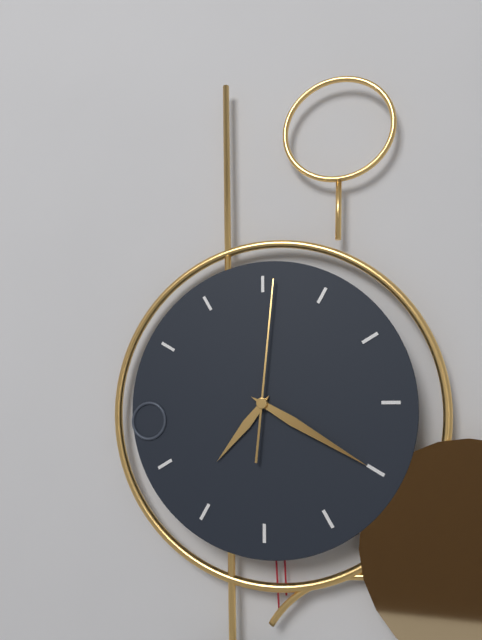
7:20:01
